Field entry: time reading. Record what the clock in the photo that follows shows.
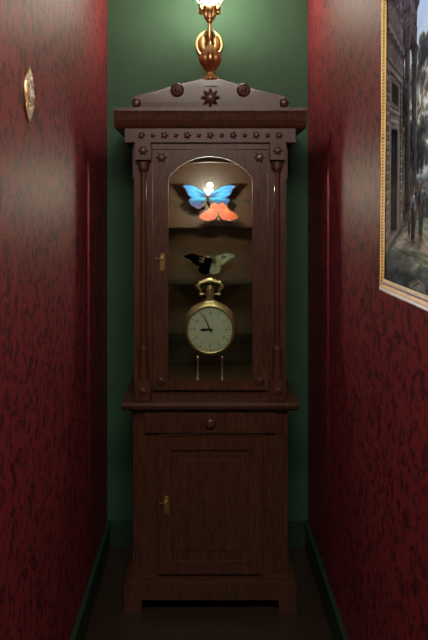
8:56
